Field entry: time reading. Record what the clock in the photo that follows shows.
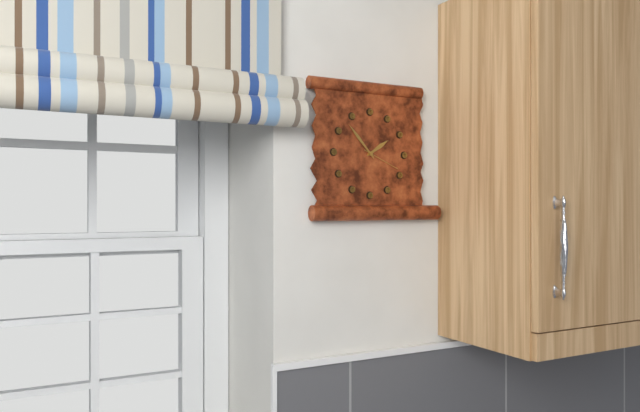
1:53
